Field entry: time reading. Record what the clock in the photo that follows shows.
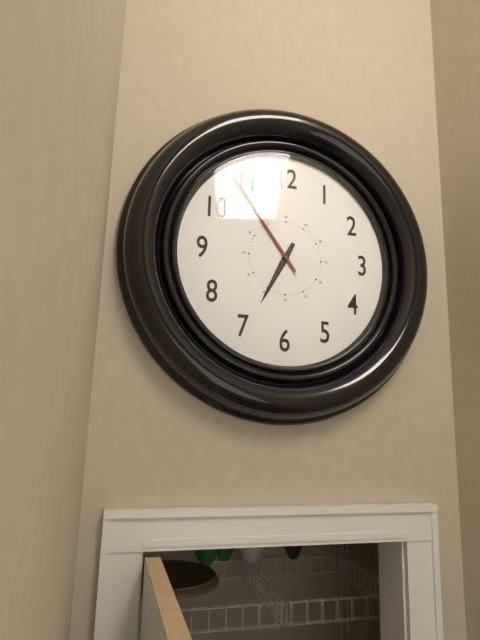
6:54:54
